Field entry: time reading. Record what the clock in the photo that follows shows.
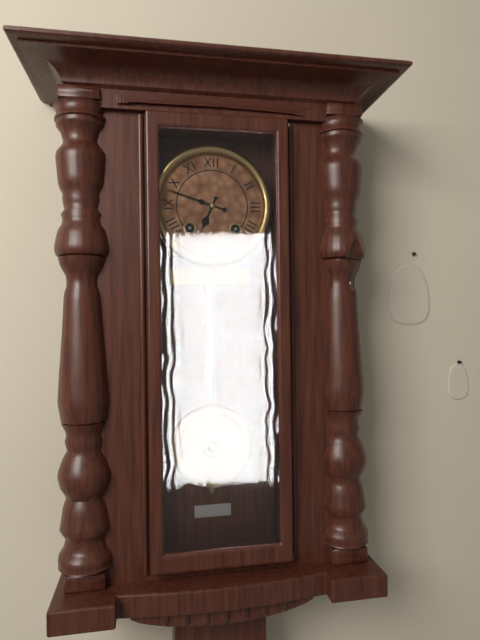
6:48
